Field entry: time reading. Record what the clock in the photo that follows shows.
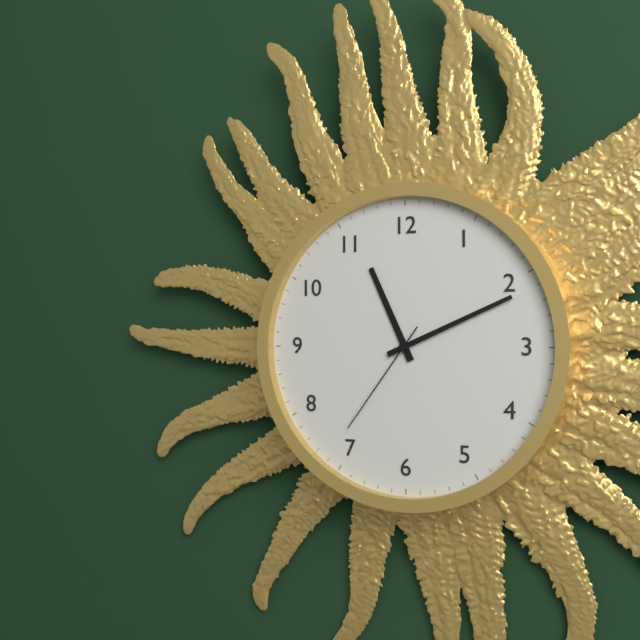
11:11:36
